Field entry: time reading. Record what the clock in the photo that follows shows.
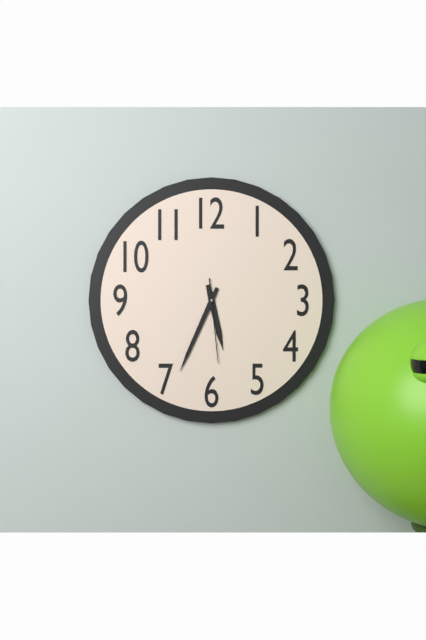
5:34:29
